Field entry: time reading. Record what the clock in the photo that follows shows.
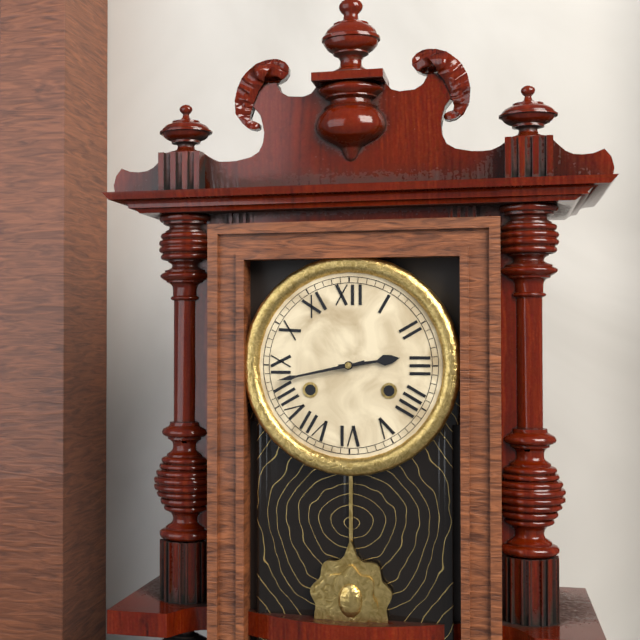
2:43
